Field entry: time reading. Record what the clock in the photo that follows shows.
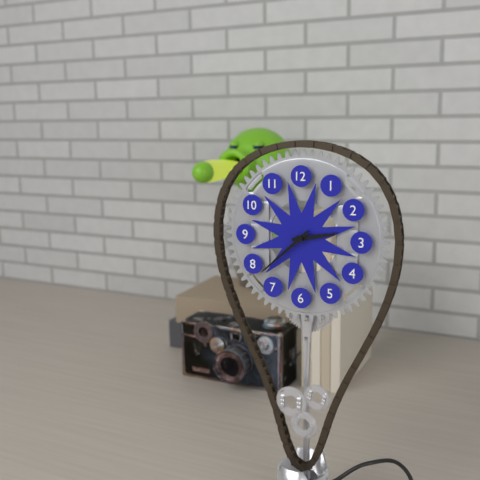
2:38
